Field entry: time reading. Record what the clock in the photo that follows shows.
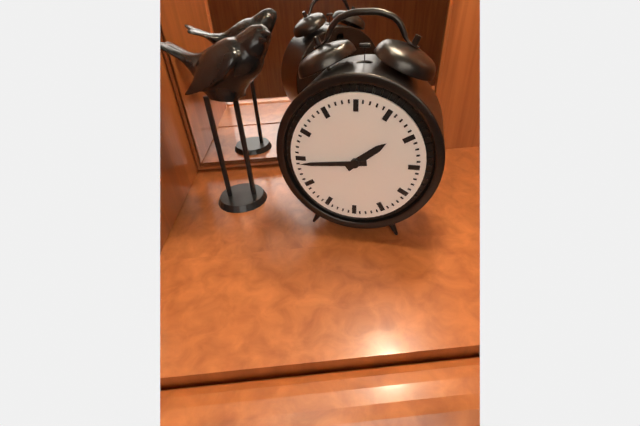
1:44
